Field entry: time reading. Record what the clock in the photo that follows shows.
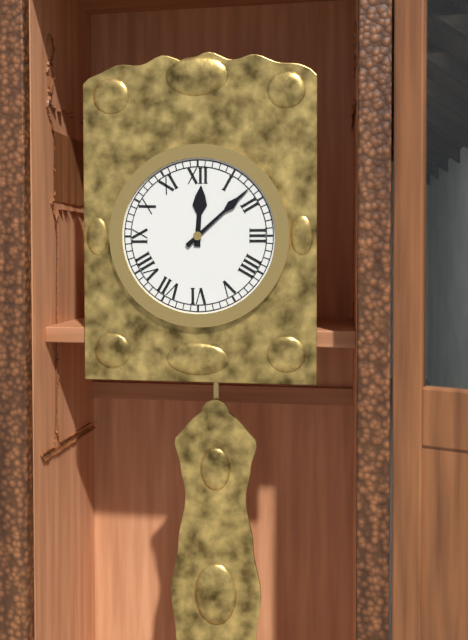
12:08
